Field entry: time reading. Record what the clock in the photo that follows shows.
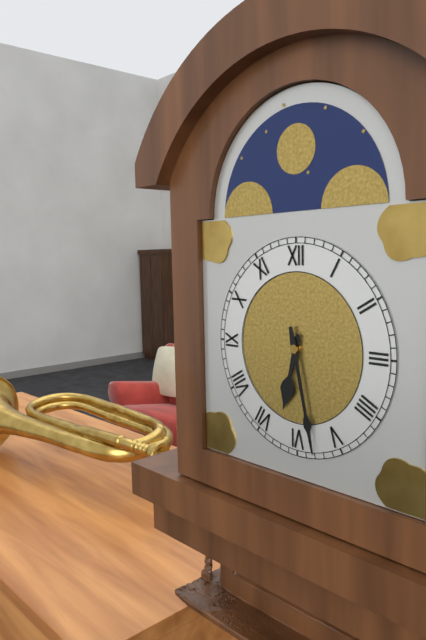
6:28
